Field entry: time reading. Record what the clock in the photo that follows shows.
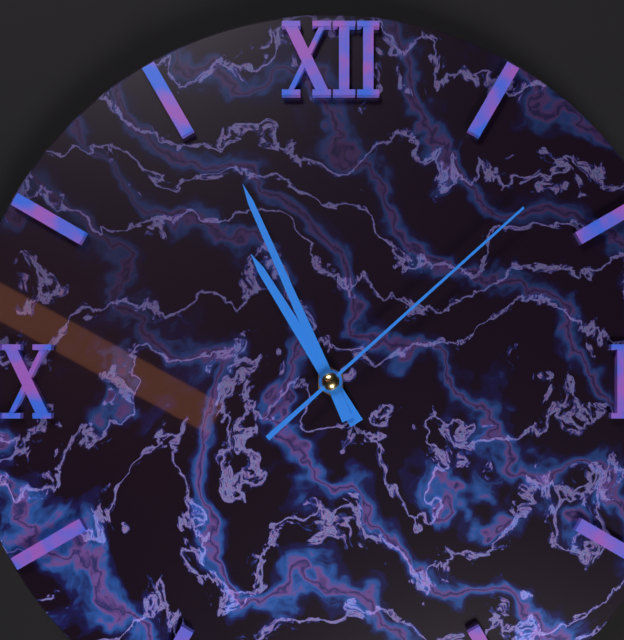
10:56:08
